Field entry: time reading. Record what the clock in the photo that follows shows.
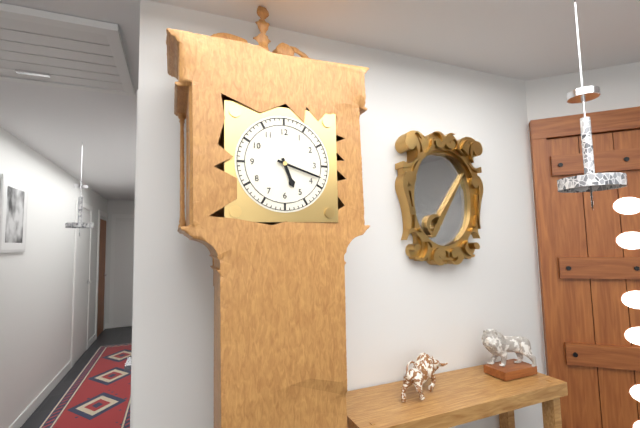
5:18
